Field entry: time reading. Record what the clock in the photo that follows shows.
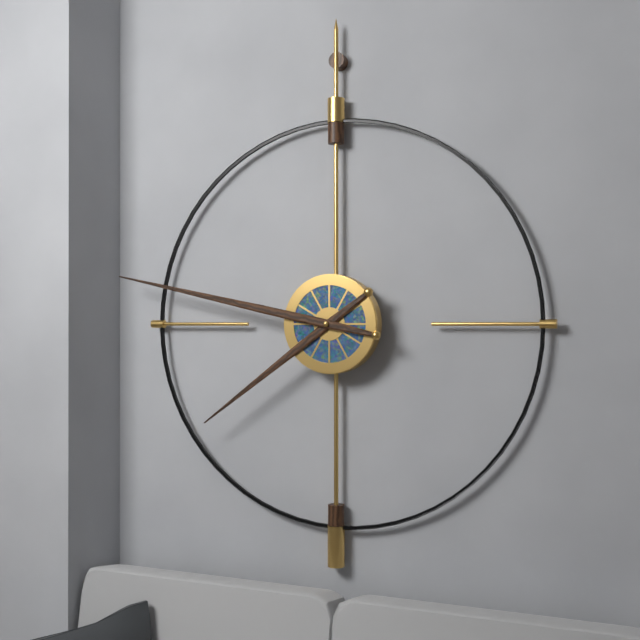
7:47
